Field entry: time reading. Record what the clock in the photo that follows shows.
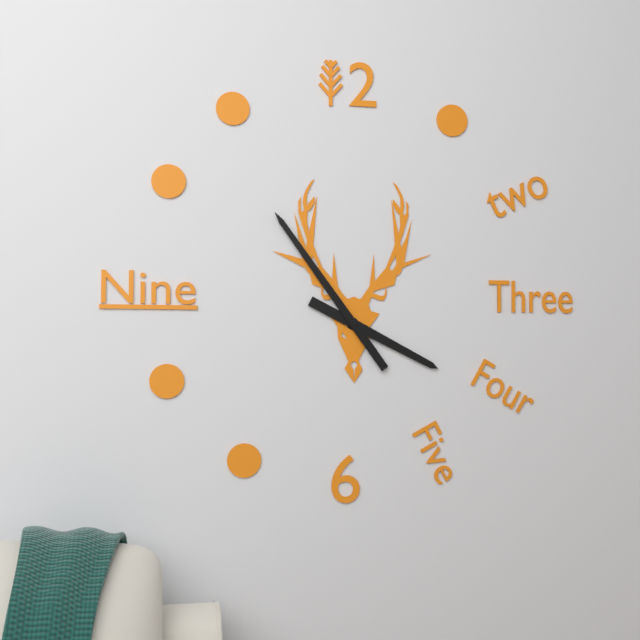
3:54
